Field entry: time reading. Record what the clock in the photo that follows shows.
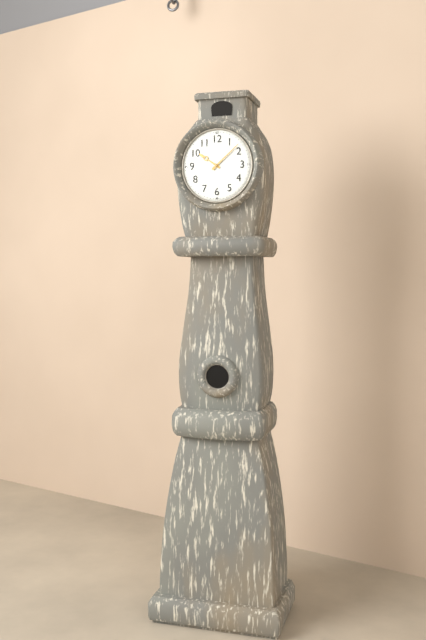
10:08
